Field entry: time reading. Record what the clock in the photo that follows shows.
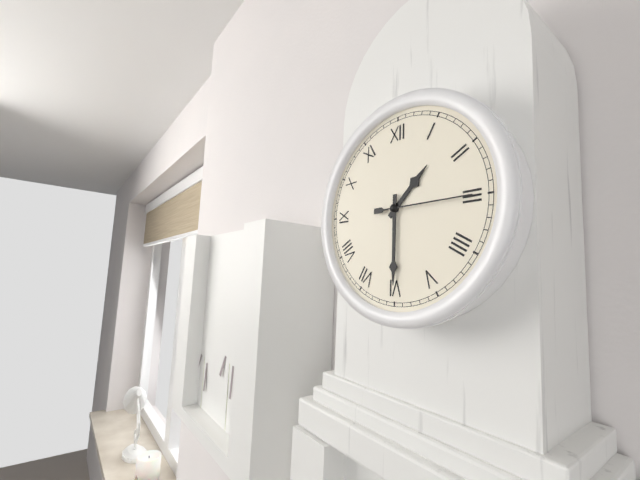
1:30:15
